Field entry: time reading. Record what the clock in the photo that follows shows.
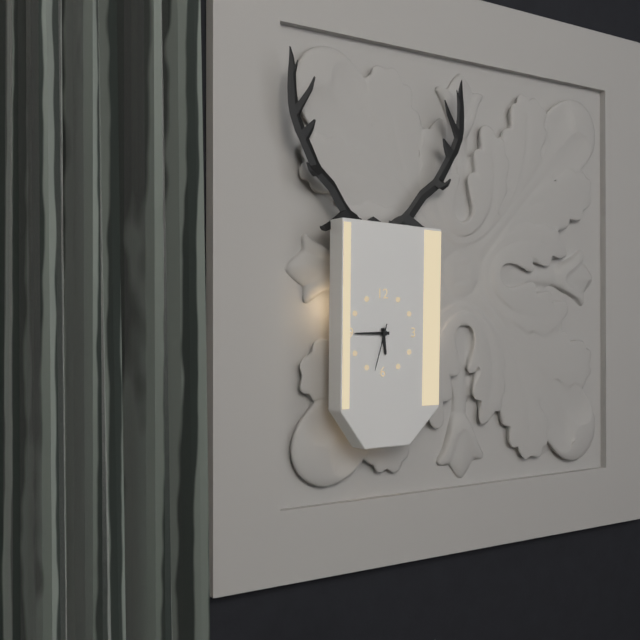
5:45
